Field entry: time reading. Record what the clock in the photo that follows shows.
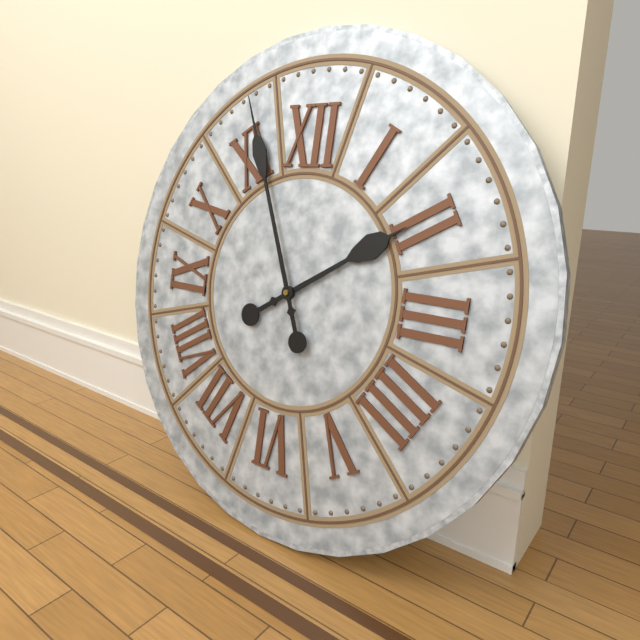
1:56
